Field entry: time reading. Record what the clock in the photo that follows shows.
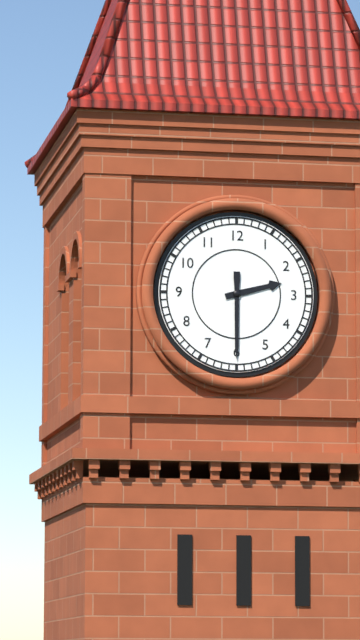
2:30
